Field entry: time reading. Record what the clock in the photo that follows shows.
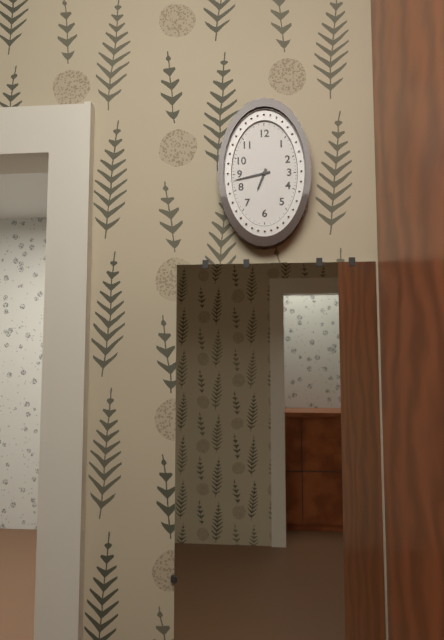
6:43
